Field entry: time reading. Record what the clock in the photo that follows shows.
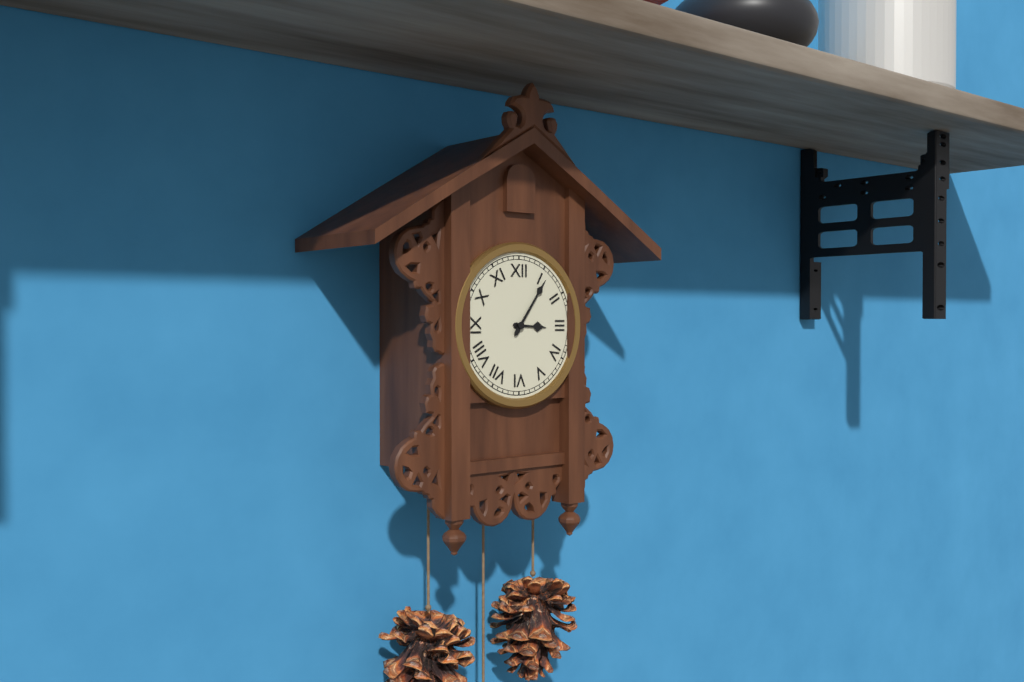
3:06
